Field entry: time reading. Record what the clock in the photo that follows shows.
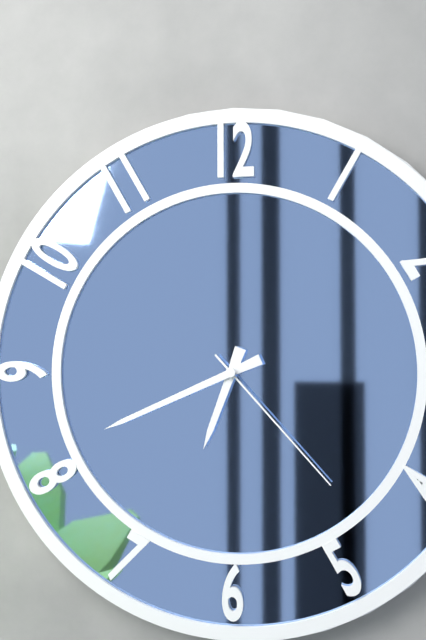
6:41:23
